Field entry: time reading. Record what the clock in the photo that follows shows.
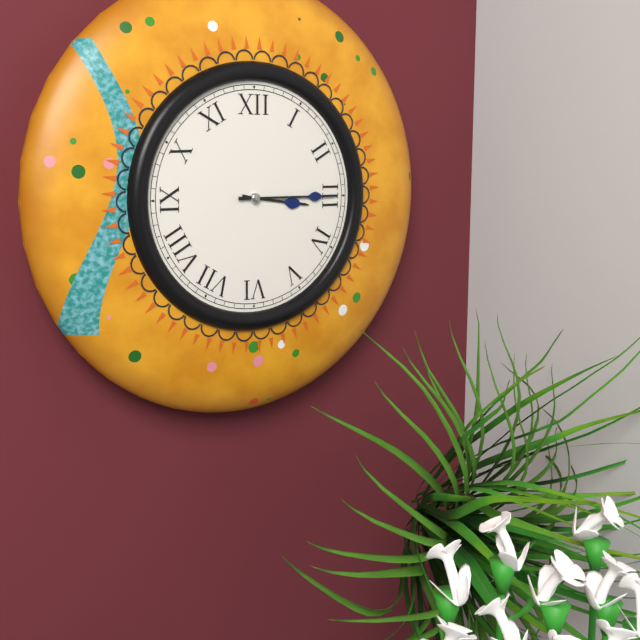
3:15
